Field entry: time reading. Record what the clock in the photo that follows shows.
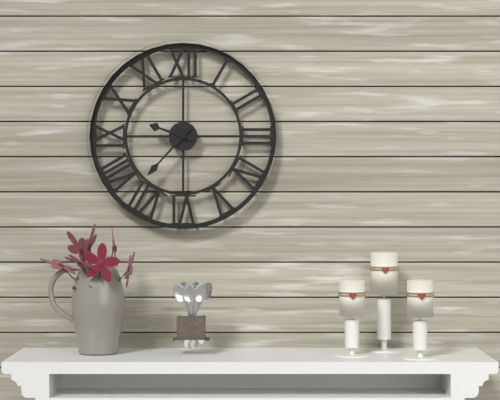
9:37
